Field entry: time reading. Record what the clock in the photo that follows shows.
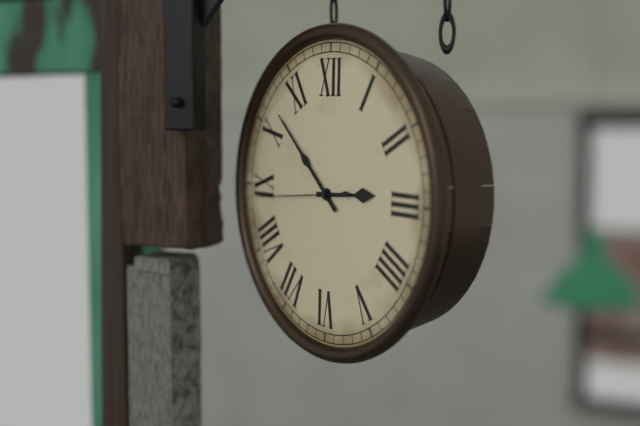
2:52:44
